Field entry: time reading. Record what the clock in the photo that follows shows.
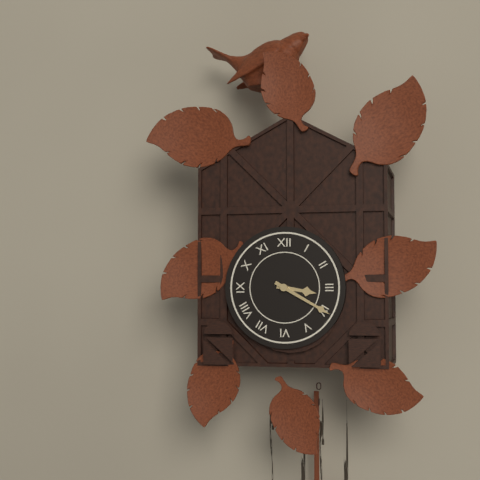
3:20
